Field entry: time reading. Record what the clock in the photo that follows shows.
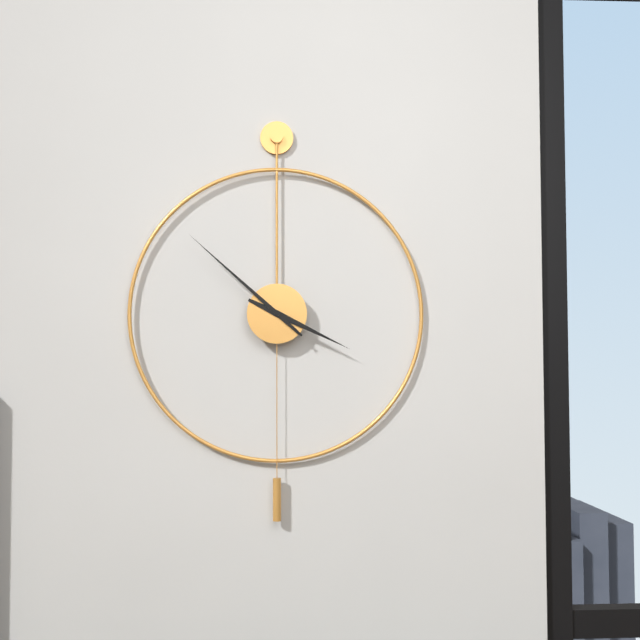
3:52
